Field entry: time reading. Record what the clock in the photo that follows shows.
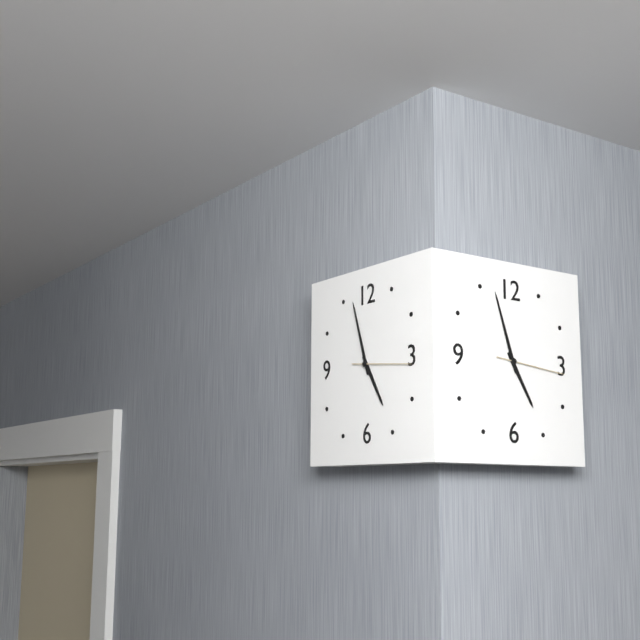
4:57:16
